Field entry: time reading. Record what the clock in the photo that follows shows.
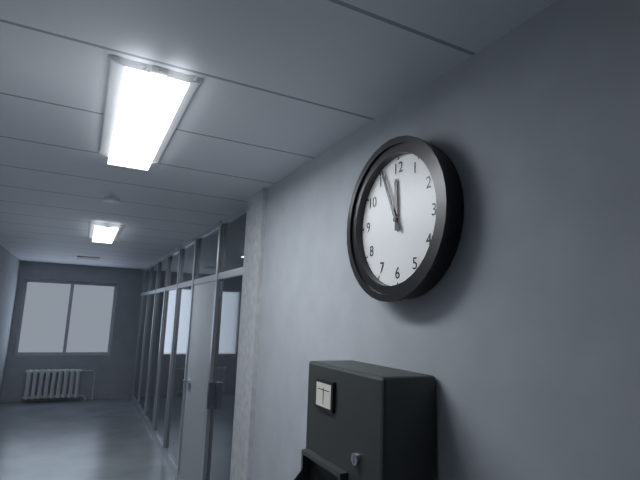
11:56
